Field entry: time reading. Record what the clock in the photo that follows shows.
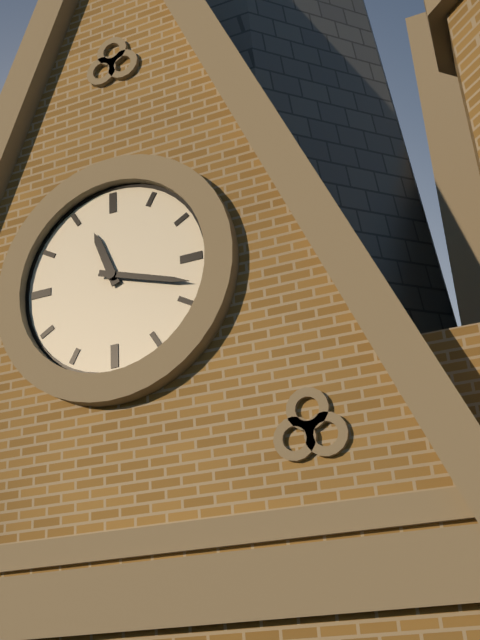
11:18
